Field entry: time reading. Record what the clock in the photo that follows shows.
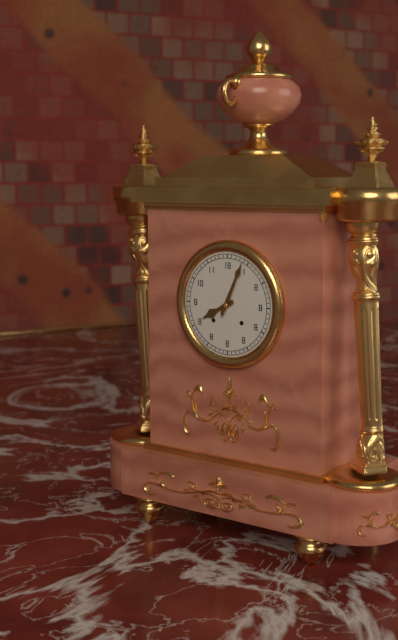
8:04
